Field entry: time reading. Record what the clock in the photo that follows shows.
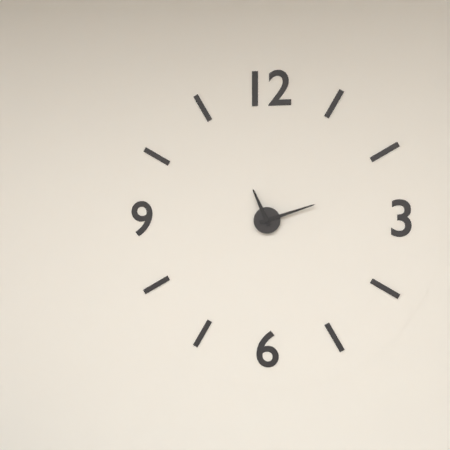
11:12
